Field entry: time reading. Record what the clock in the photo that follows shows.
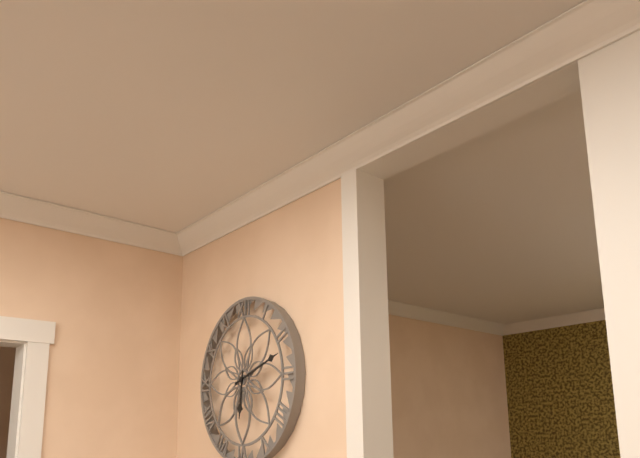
6:12
